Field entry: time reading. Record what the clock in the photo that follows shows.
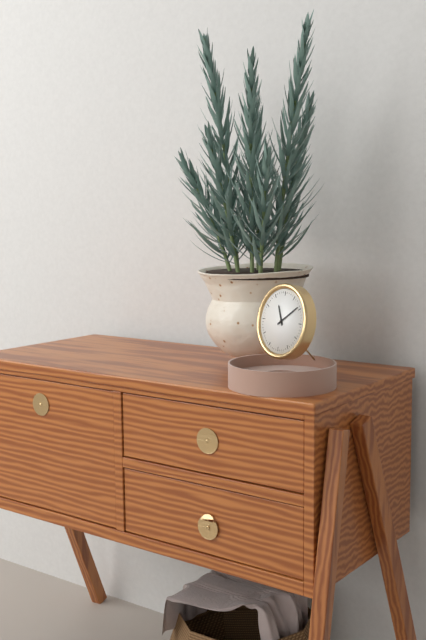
11:09
